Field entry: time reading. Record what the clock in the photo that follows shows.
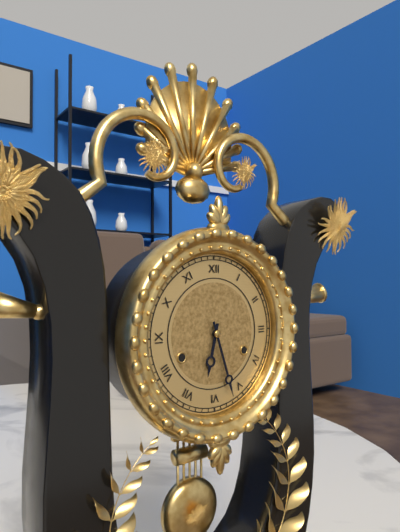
6:27
